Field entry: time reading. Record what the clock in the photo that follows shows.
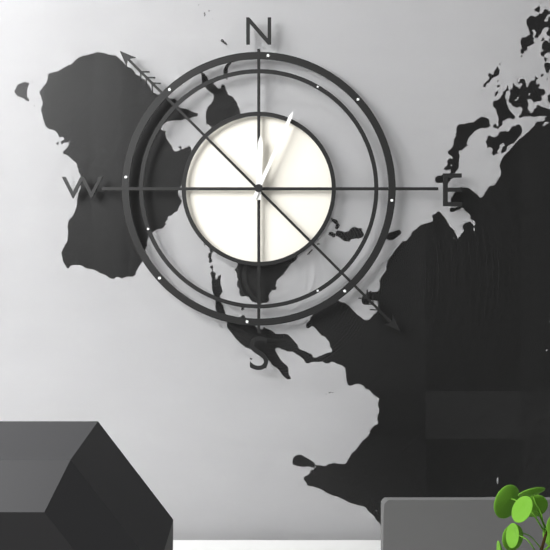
12:04
